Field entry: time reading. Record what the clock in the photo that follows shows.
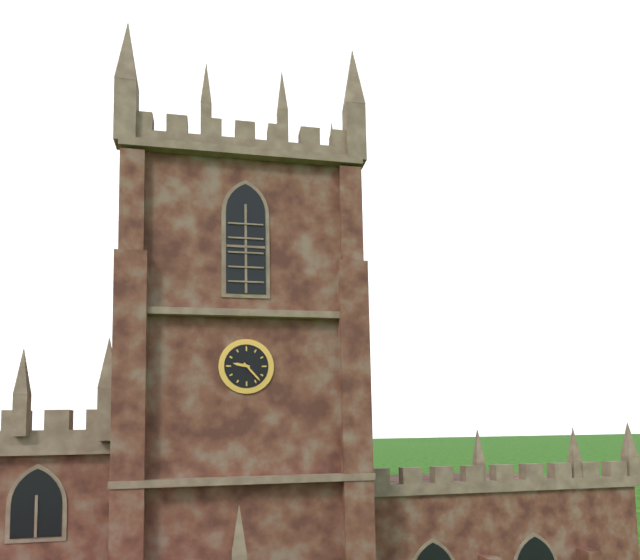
9:23
